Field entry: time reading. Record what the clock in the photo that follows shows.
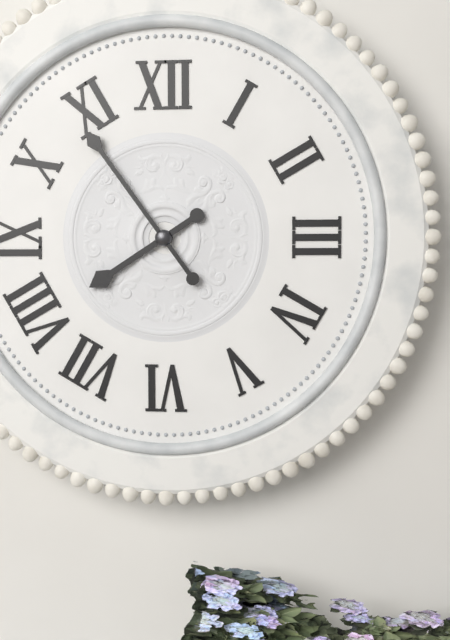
7:54
